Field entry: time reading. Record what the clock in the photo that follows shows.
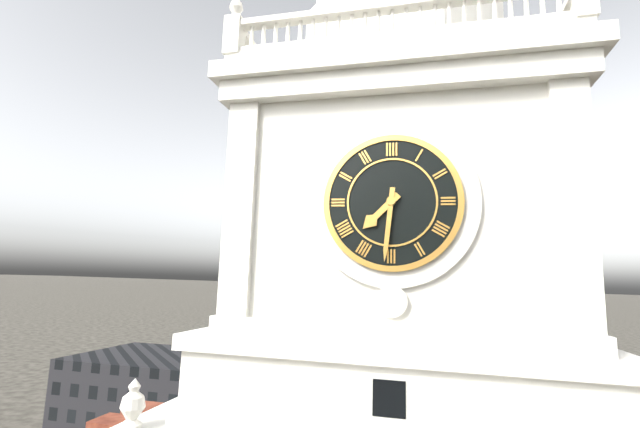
7:31
